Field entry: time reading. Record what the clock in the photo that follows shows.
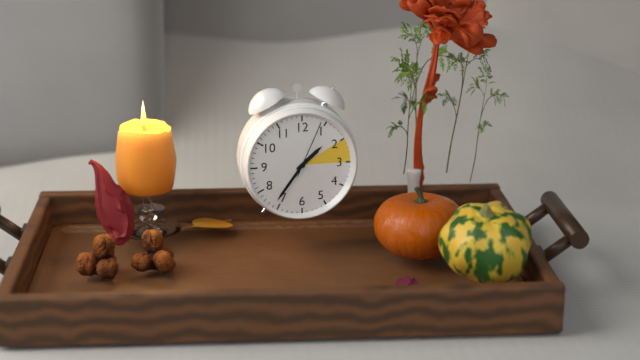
1:36:04
